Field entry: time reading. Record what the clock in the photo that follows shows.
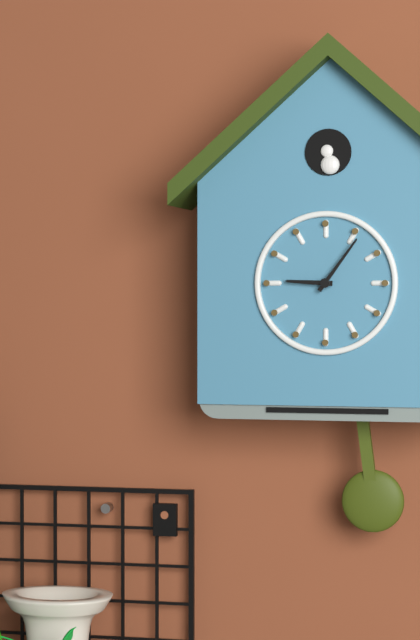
9:06
